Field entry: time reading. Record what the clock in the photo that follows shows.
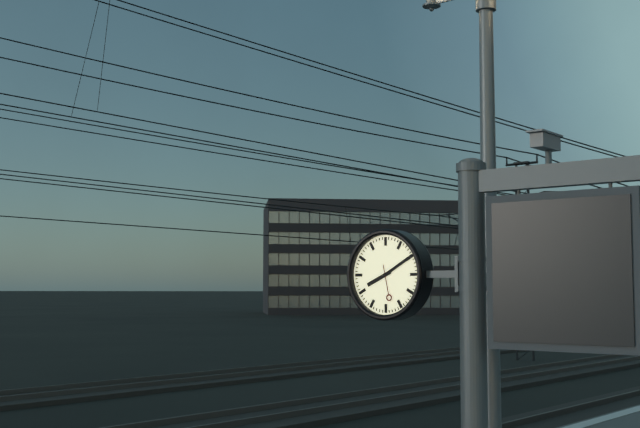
8:10
